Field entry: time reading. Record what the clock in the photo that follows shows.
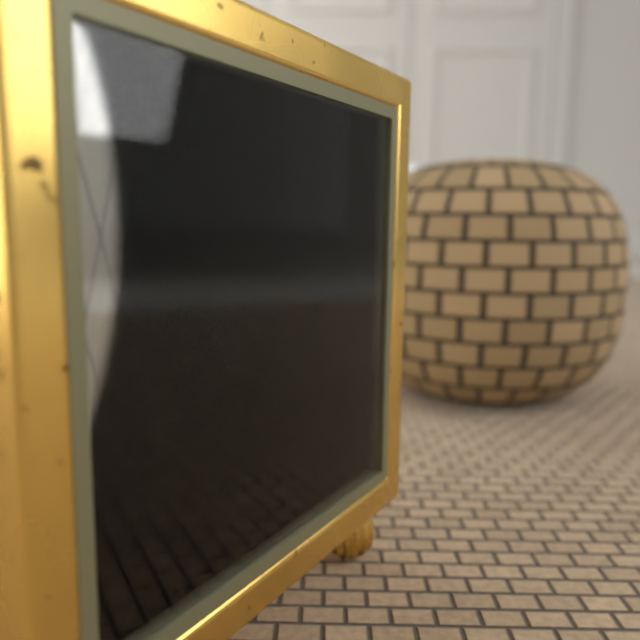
11:42
